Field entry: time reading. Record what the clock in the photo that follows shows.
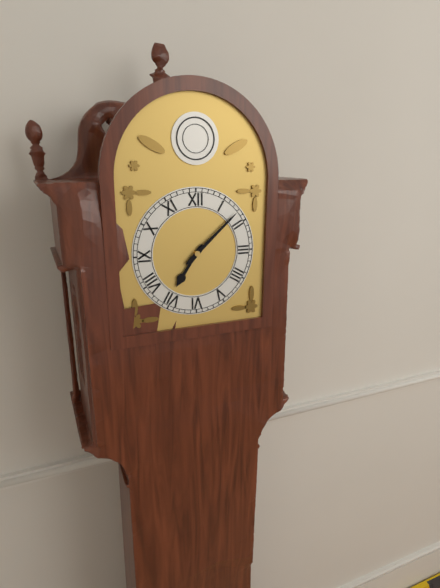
7:08
